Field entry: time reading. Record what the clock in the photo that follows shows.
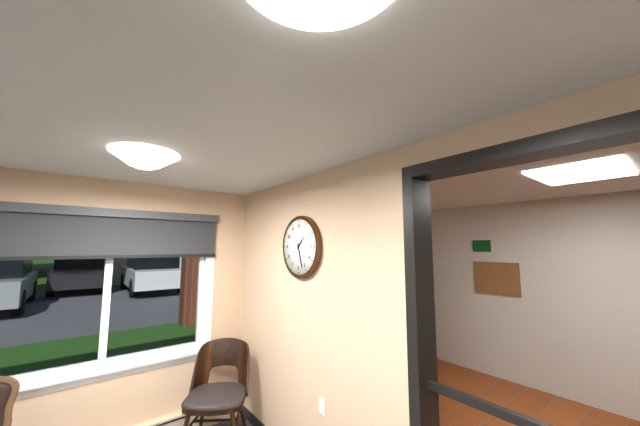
1:27
